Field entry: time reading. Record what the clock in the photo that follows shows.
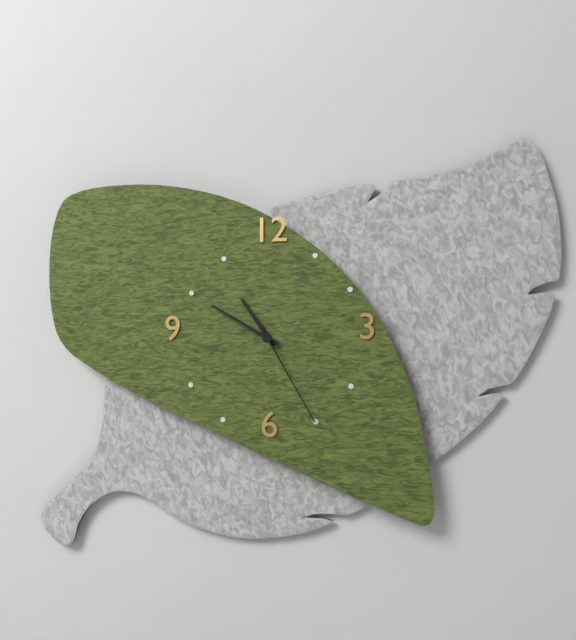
10:50:25
